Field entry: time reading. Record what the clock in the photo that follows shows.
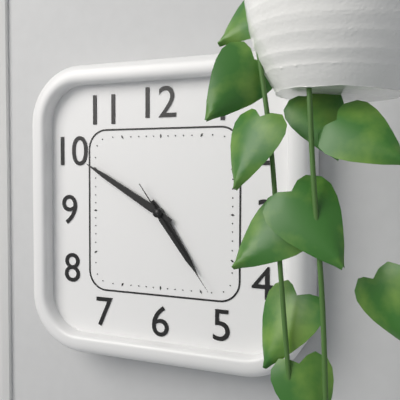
4:50:24
